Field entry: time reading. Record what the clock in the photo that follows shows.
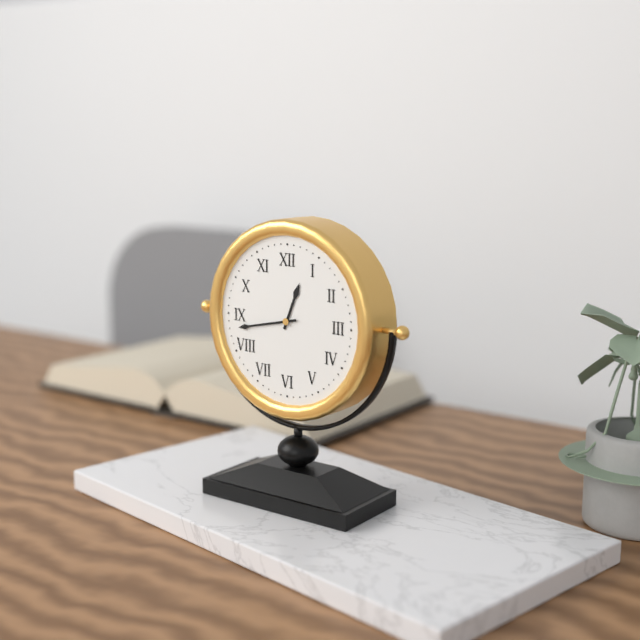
12:43
